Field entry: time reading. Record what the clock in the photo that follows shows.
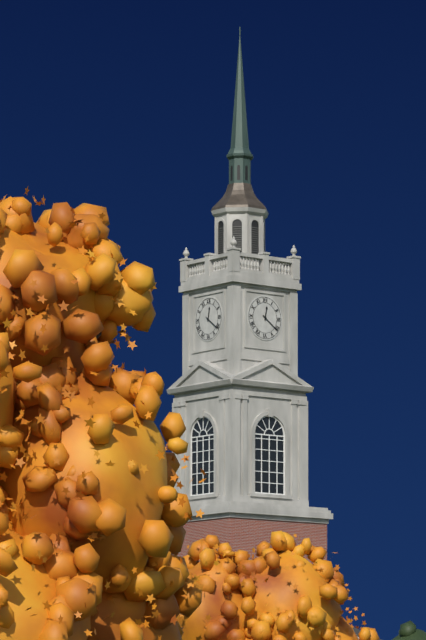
12:21
